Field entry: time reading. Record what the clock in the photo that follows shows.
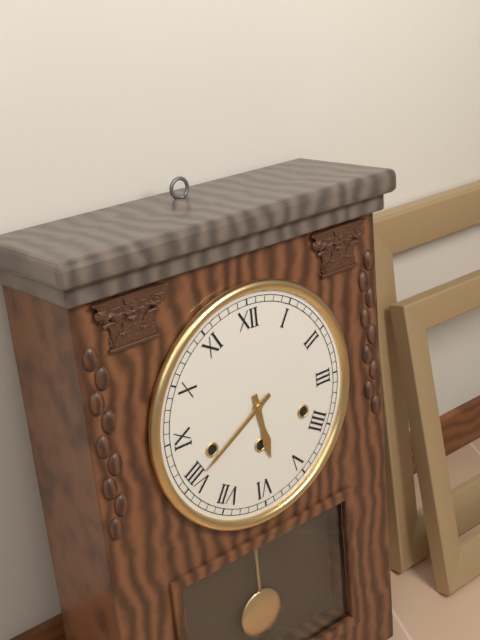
5:40
